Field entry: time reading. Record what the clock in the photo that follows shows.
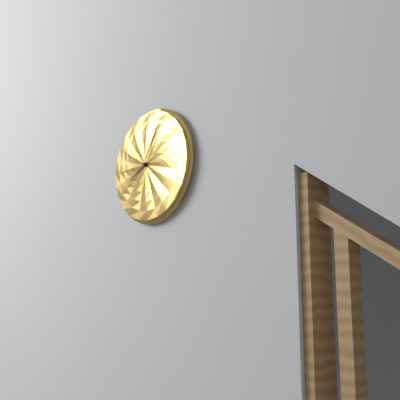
8:05
